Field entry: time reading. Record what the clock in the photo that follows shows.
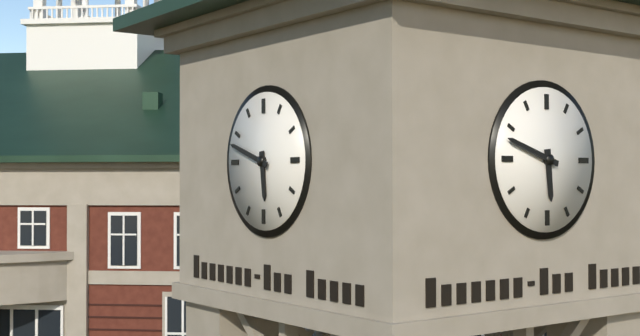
5:48
